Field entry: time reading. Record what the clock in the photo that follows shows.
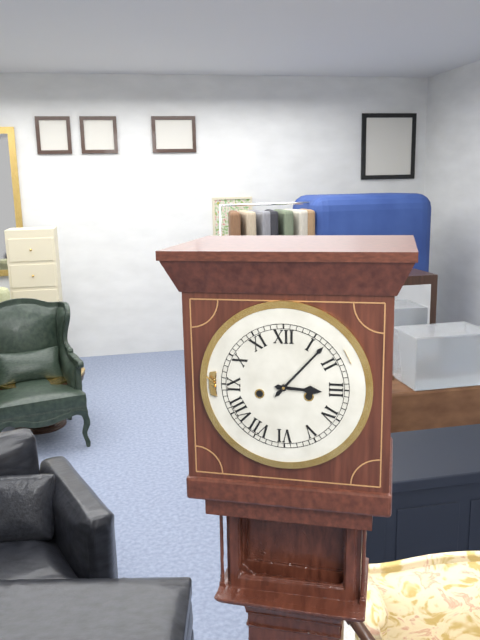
3:07
